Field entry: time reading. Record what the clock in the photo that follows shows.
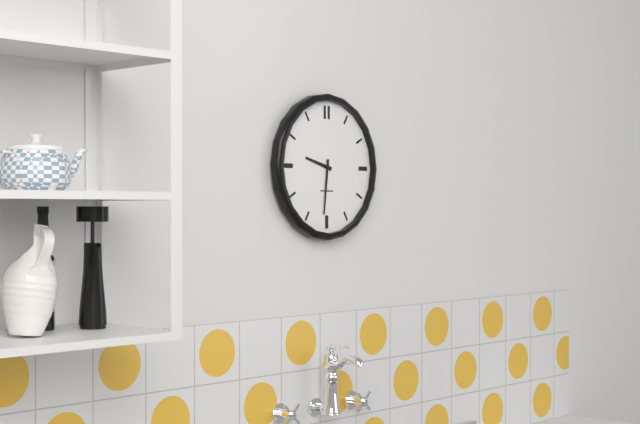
9:31
